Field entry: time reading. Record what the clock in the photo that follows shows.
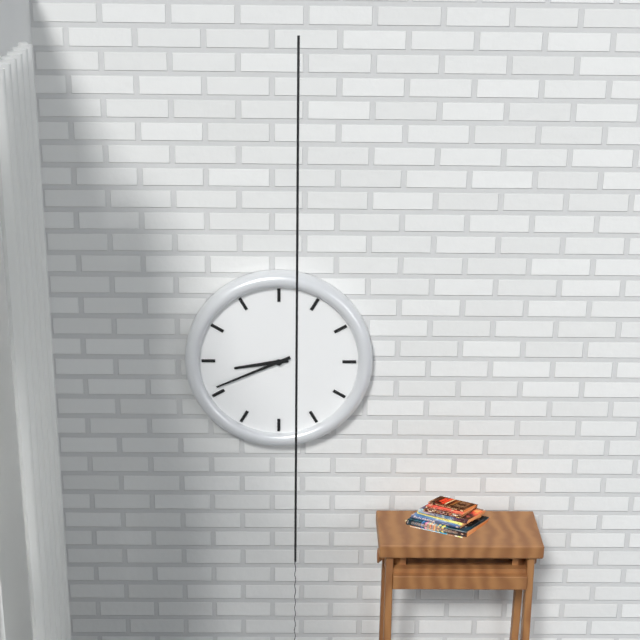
8:41
